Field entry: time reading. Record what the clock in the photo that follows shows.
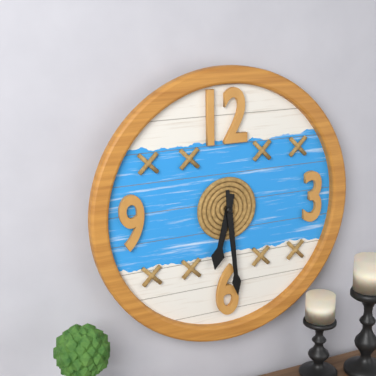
6:29
